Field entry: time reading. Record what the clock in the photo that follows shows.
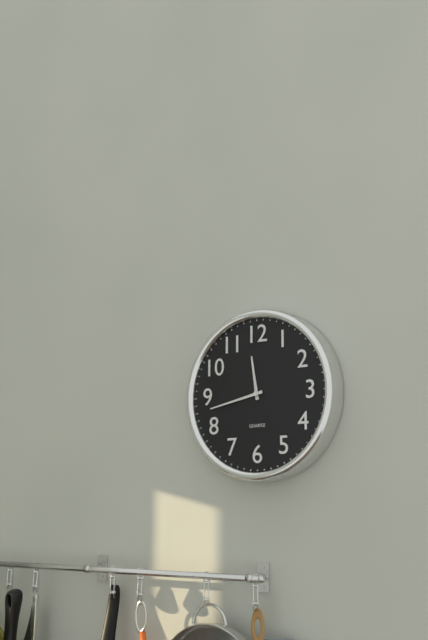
11:43
